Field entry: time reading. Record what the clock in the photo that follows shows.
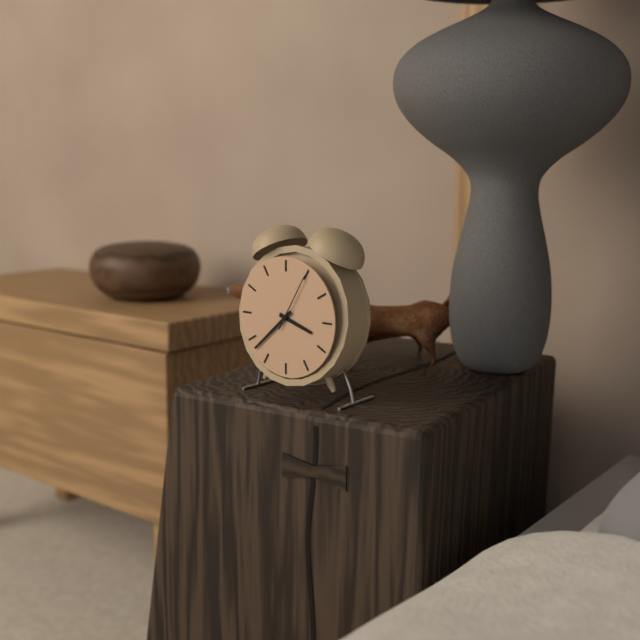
3:38:05
